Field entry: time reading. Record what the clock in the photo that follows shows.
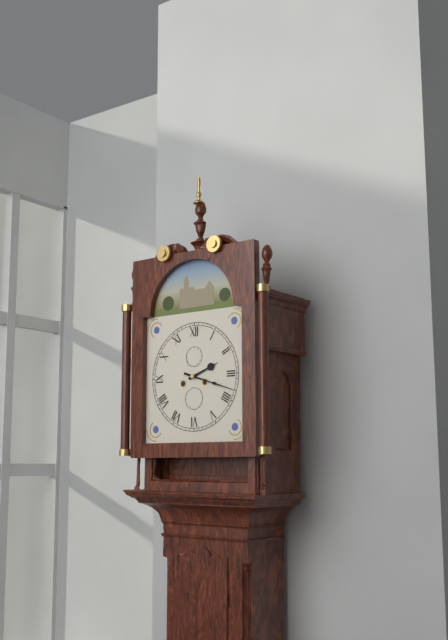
2:18
